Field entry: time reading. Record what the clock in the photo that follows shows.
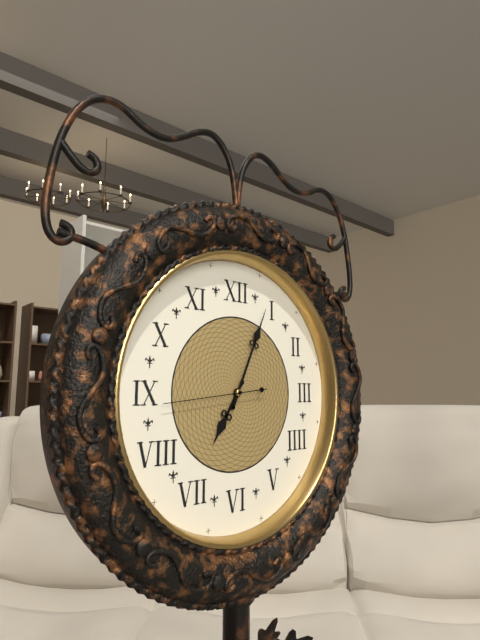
7:04:44
